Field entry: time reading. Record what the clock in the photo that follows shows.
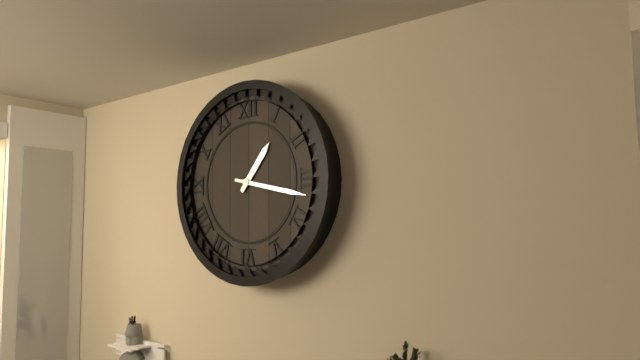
1:17
